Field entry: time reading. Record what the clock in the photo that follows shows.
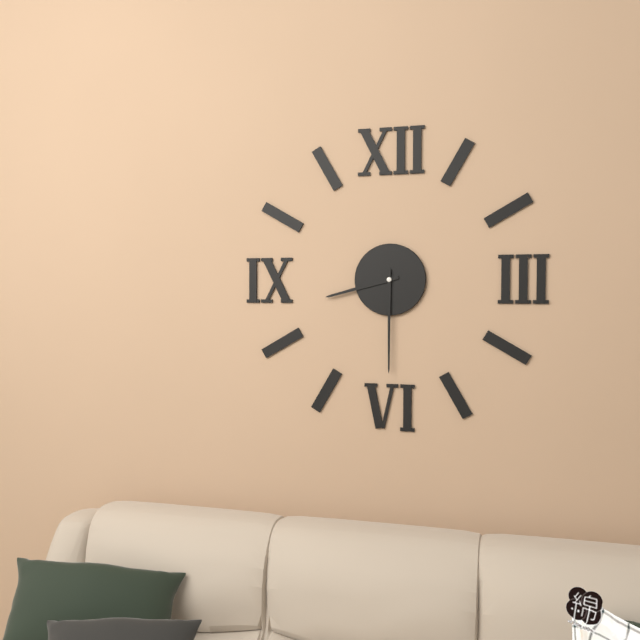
8:30
